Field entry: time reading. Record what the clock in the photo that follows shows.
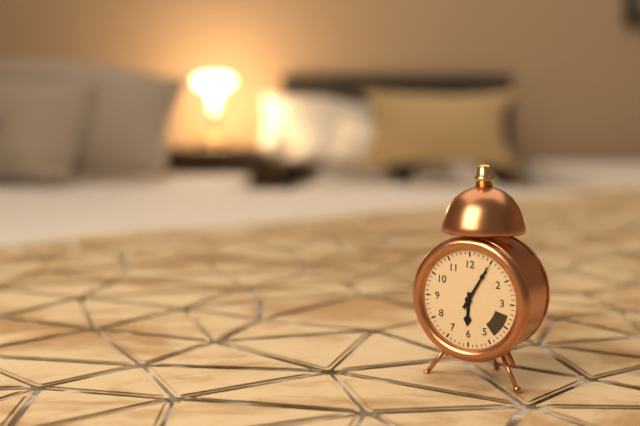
6:05
